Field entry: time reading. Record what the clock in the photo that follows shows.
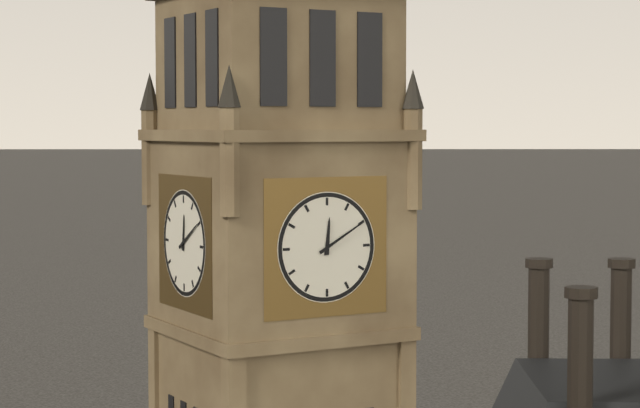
12:10
